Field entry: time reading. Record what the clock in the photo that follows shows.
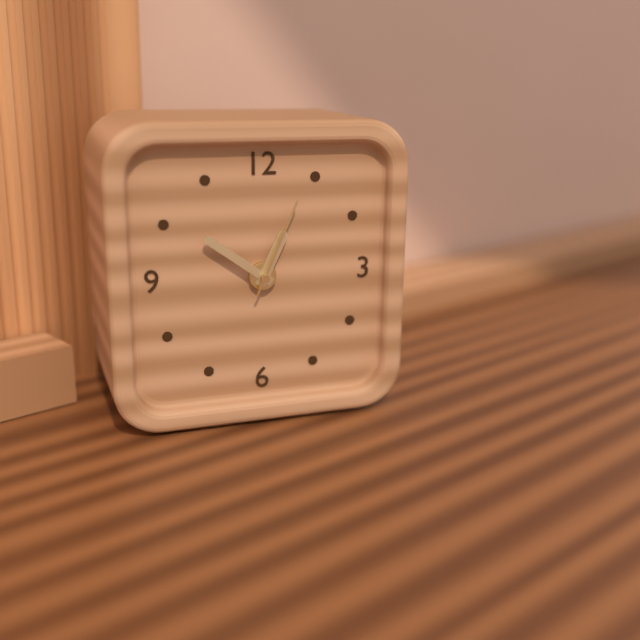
12:51:04
